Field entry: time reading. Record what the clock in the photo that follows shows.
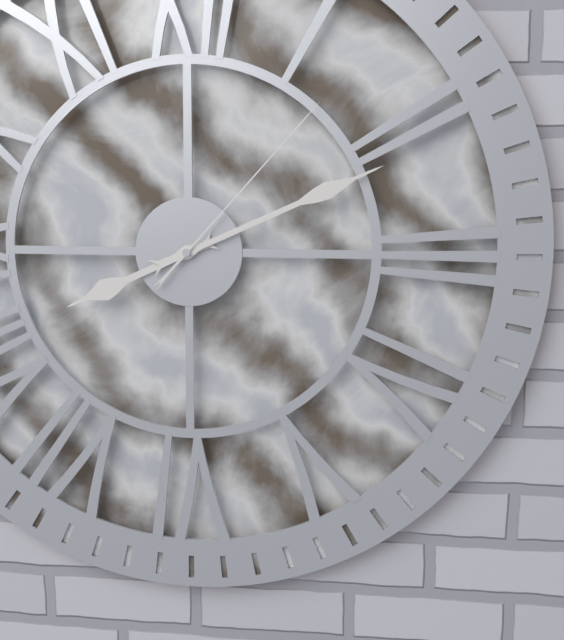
8:11:07
